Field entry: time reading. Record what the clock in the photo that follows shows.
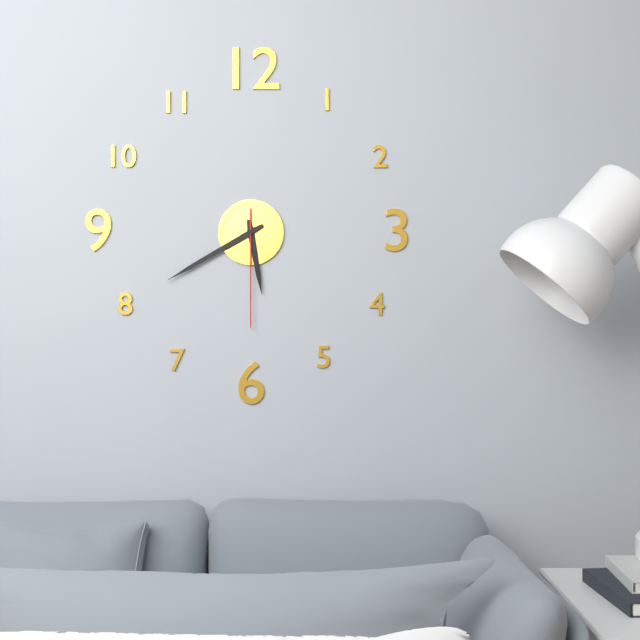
5:40:30
